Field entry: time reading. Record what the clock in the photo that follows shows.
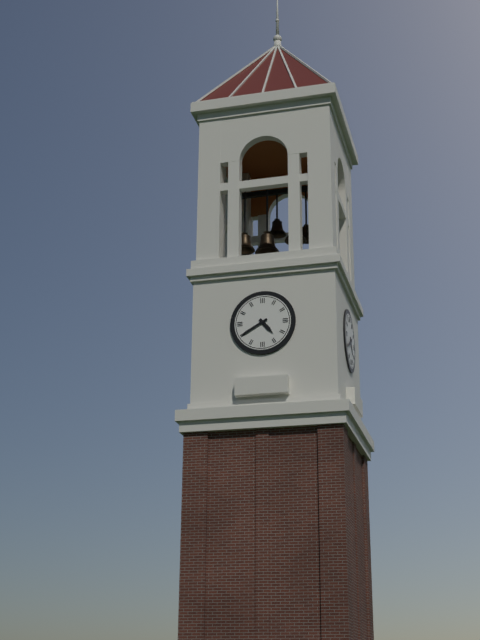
4:40
